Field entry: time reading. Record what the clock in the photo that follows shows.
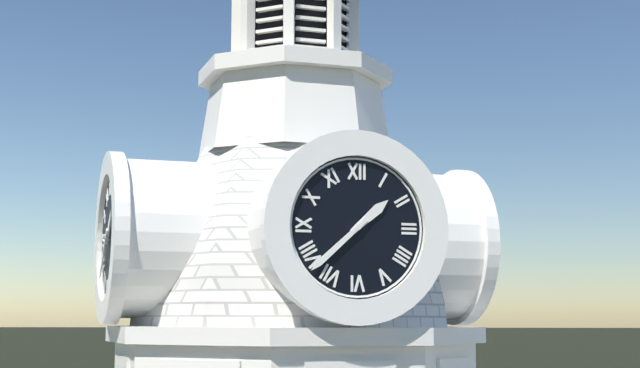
1:38
